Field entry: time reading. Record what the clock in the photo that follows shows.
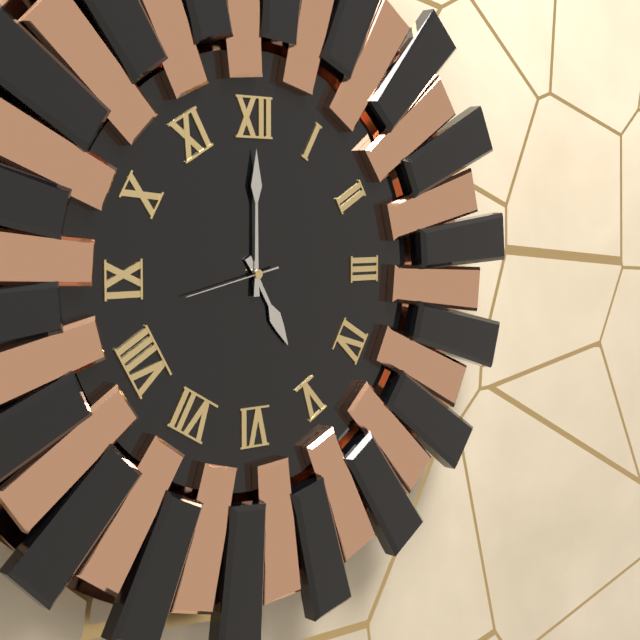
5:00:43
